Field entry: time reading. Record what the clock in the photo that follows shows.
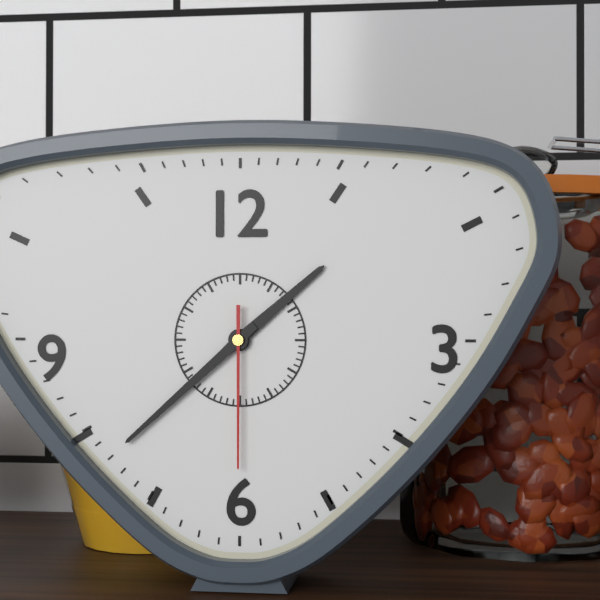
1:38:30
